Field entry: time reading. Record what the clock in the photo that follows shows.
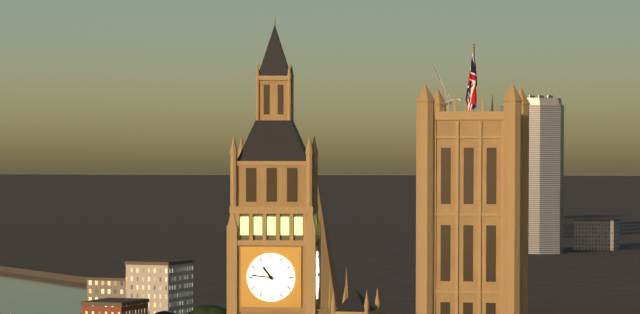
10:46
